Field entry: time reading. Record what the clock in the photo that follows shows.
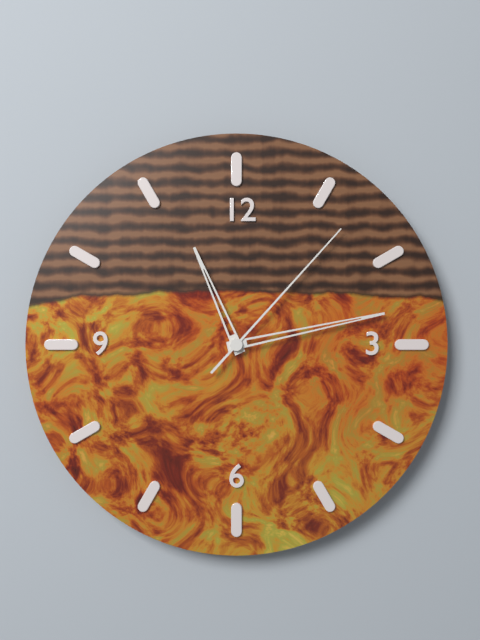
11:13:07
